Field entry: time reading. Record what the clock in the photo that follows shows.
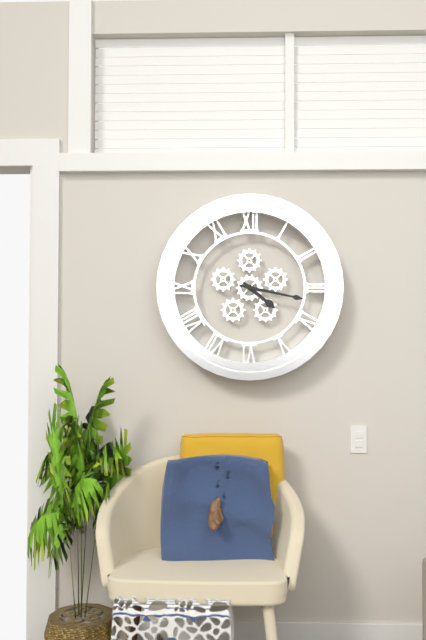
4:17
